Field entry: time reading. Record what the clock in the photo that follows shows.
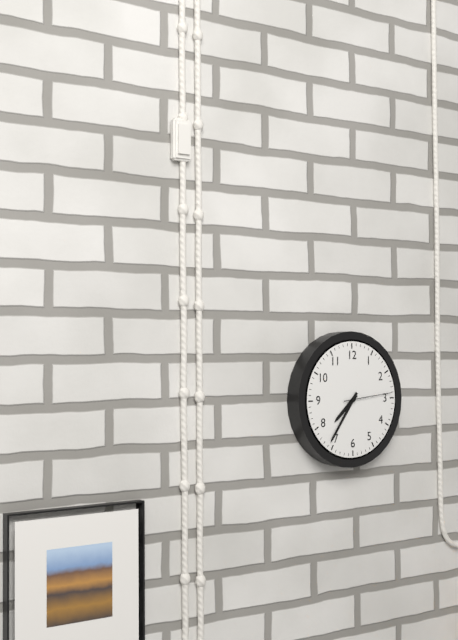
7:36
